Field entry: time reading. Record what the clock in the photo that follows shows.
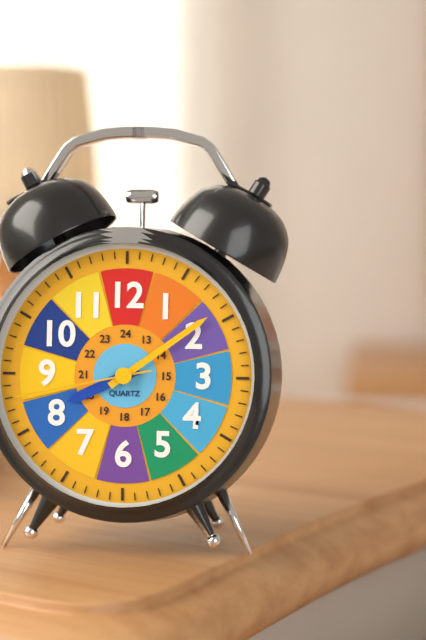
8:09:43
